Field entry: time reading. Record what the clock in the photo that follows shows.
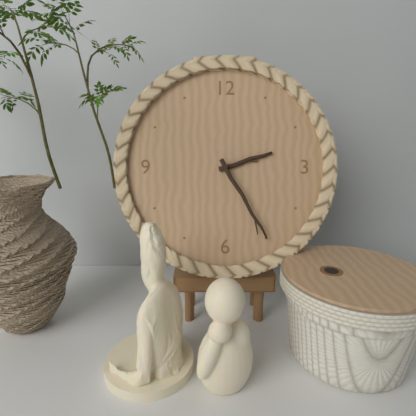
2:25
